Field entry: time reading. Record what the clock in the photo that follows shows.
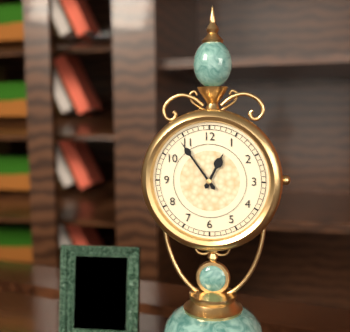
12:54
